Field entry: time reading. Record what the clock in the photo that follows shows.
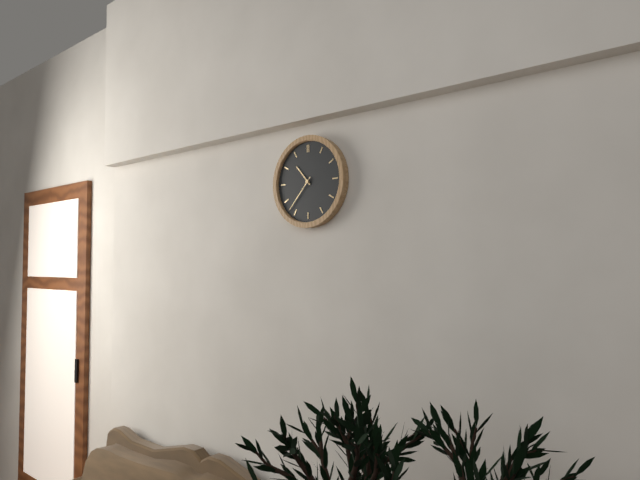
10:37
